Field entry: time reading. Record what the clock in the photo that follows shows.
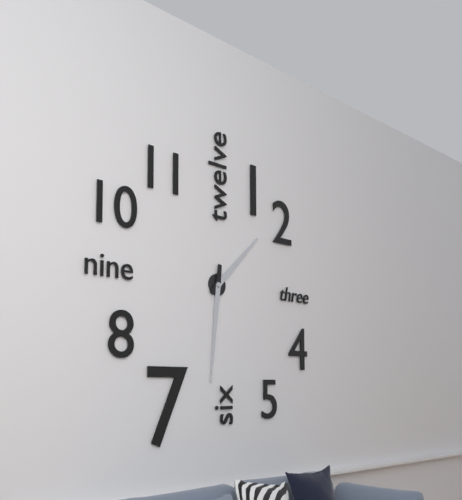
1:31
